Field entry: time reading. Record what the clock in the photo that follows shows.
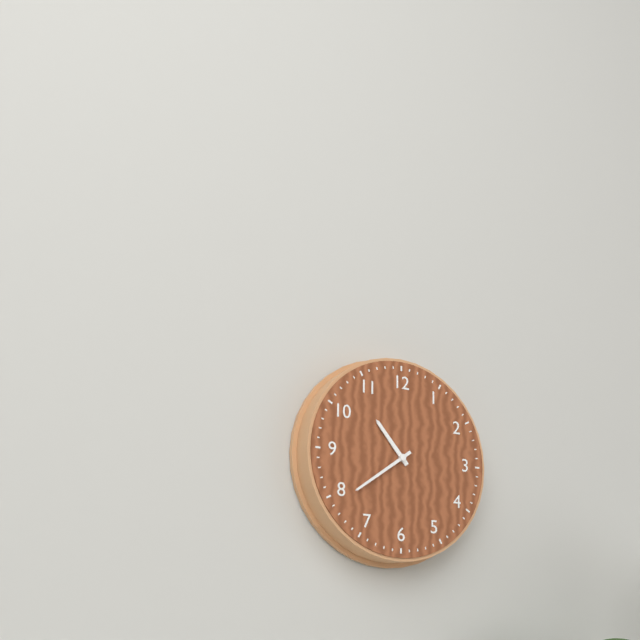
10:39
